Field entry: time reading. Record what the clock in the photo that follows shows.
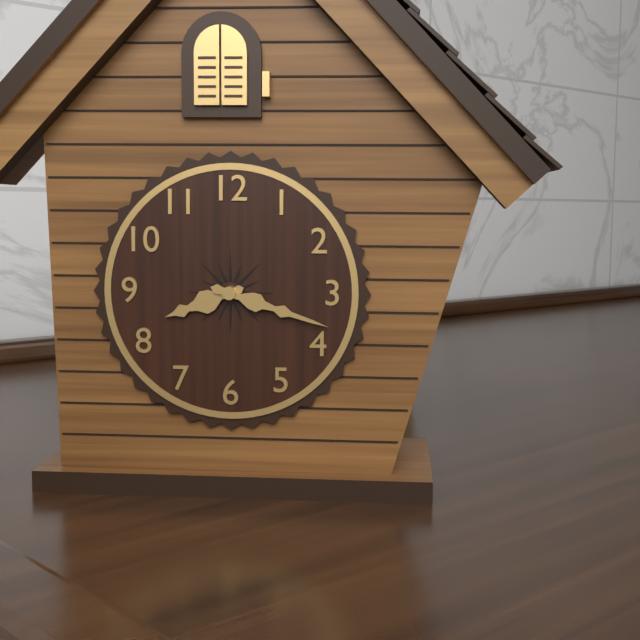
8:18
